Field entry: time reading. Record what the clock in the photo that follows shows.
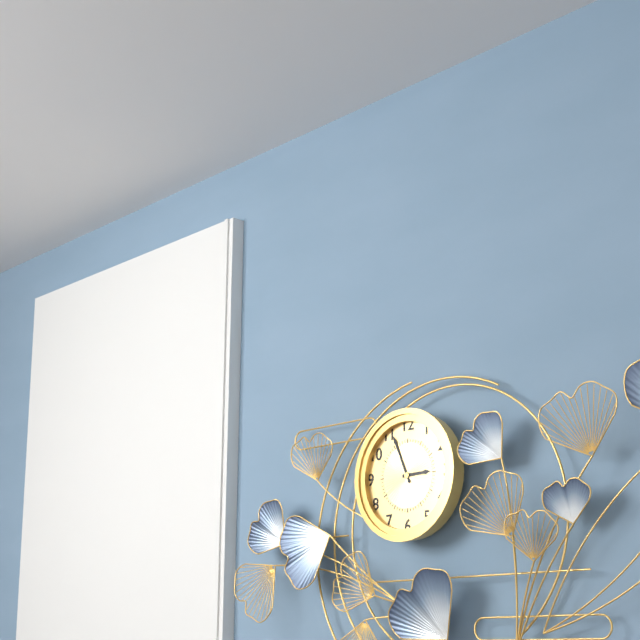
2:56
